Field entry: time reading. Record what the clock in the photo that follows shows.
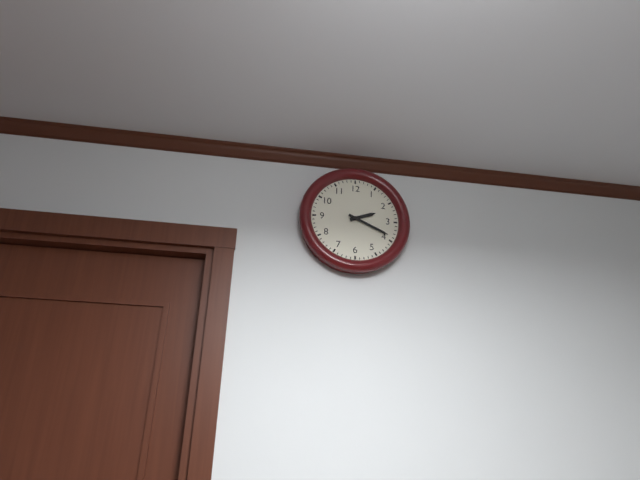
2:19
